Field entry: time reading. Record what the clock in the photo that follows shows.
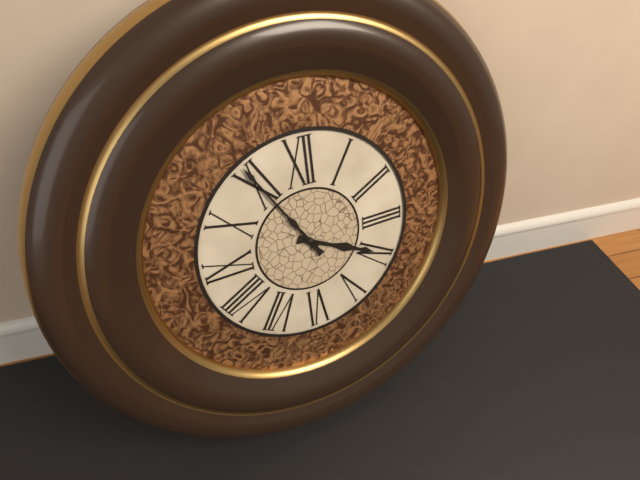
3:55
